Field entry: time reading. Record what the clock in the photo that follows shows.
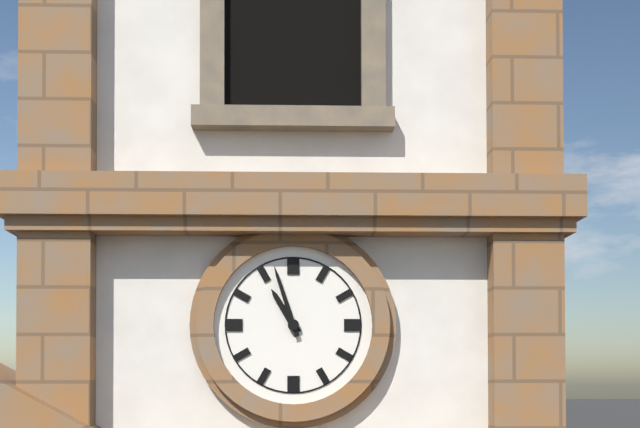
10:57
